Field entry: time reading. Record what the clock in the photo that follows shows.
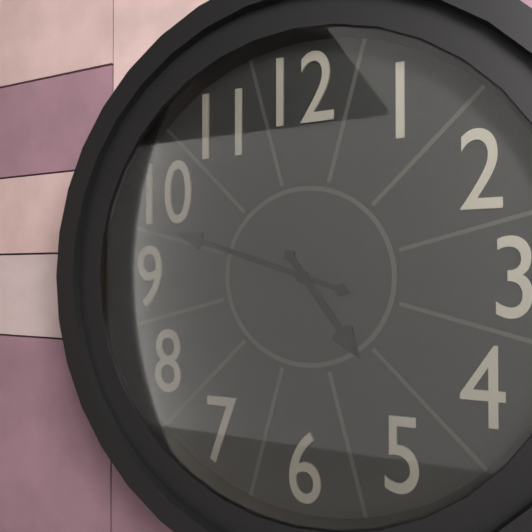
4:48
